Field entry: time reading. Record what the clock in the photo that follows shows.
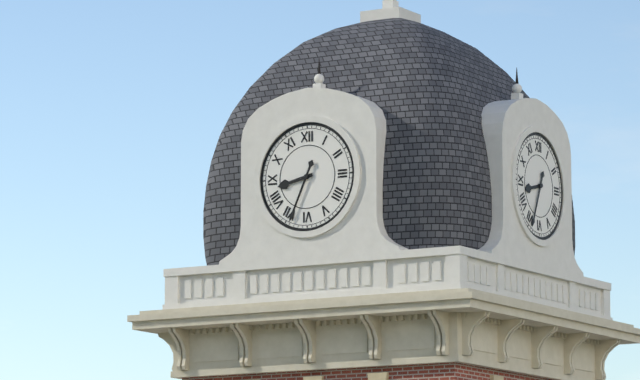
8:34
